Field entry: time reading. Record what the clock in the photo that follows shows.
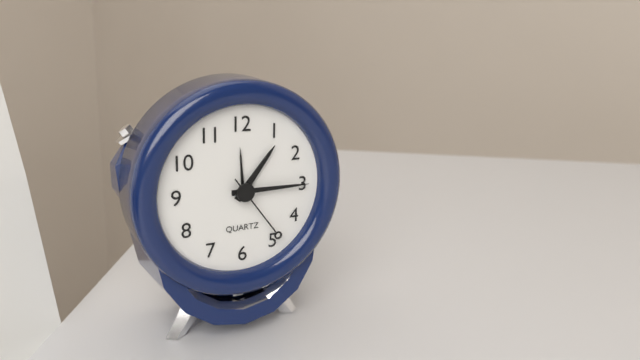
1:15:24
